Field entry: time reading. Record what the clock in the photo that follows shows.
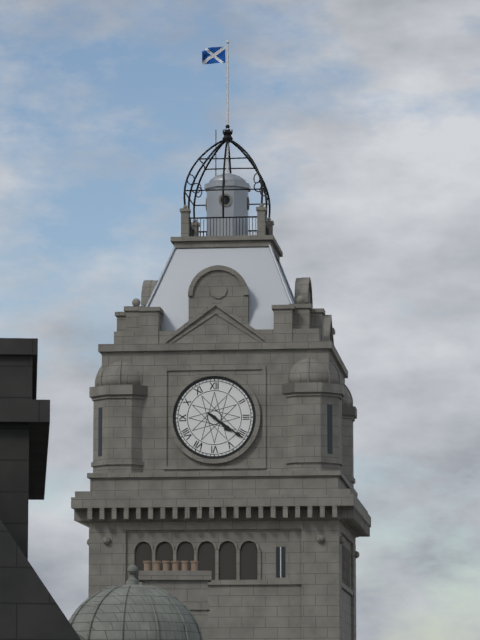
4:21
